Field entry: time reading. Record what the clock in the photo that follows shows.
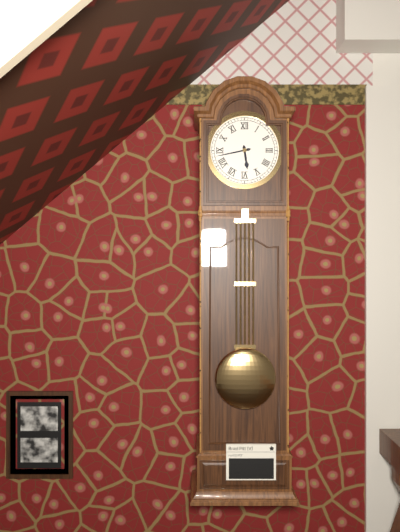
5:43
